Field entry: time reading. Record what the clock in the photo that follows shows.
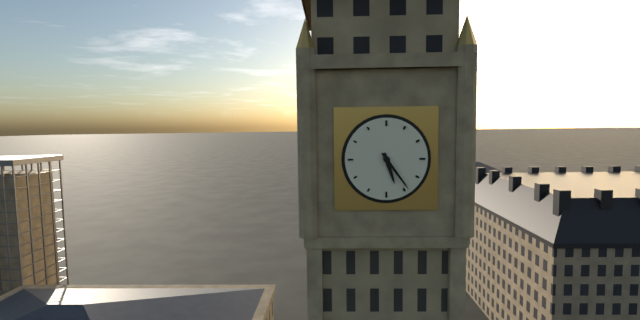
5:24
